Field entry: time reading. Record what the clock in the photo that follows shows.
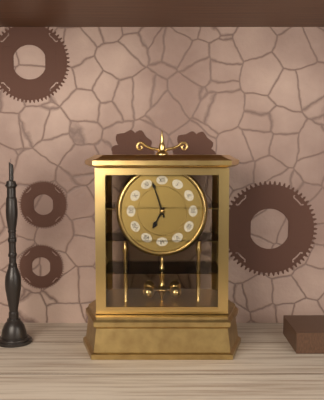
6:57
